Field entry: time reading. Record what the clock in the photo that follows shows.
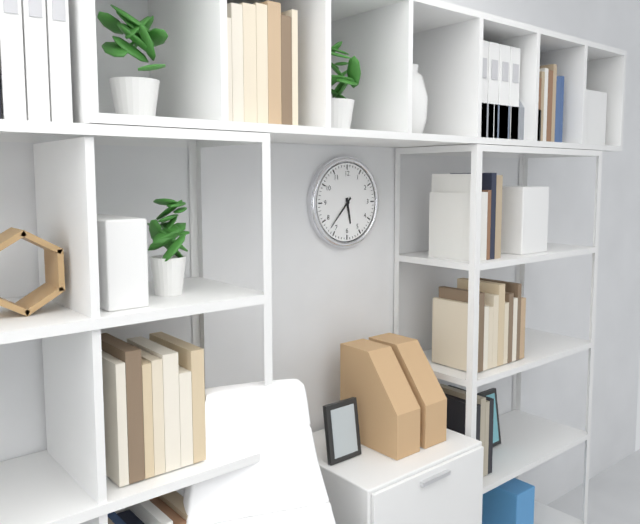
5:37
